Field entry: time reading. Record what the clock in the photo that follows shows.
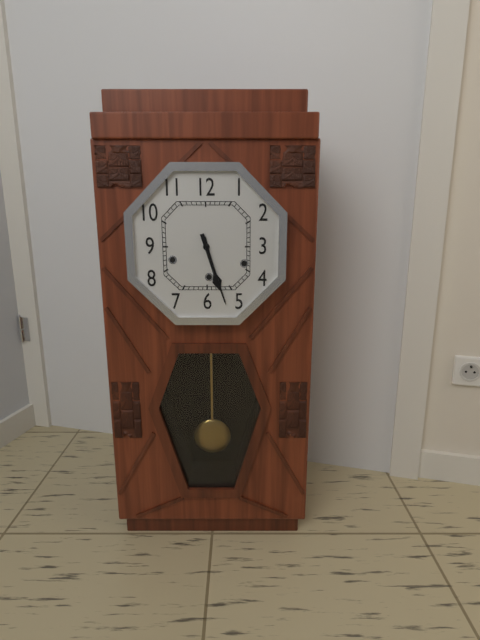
5:27
